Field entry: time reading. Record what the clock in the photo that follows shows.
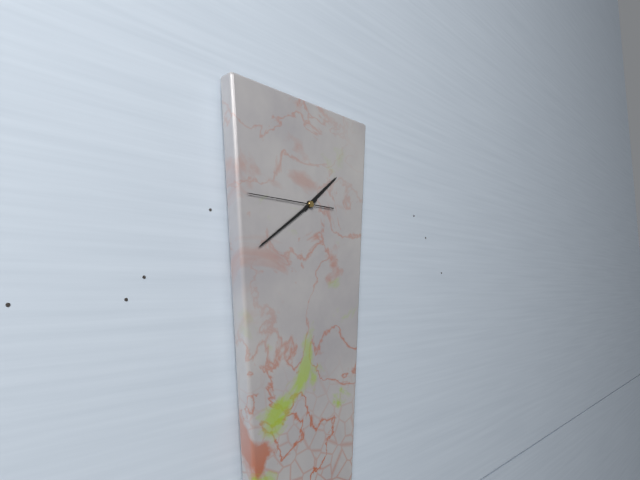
1:39:45
